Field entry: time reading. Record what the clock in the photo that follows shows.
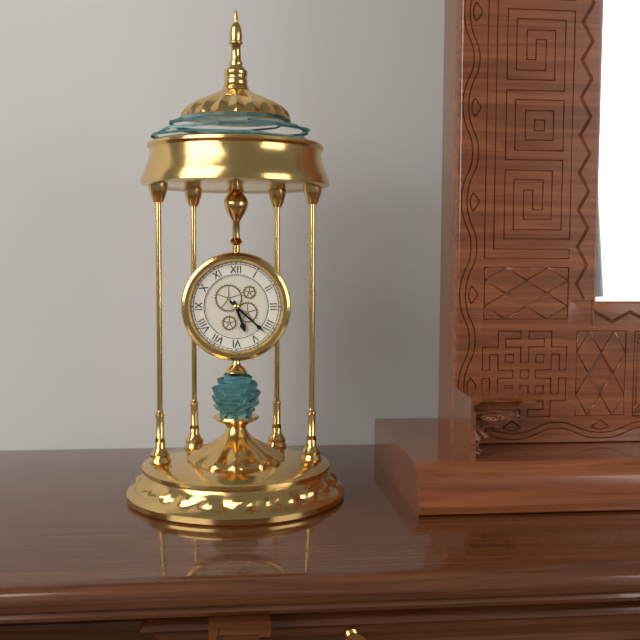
5:22
